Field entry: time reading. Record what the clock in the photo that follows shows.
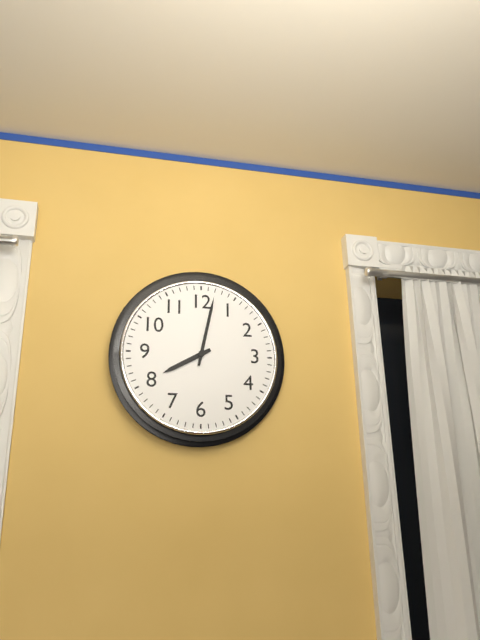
8:02
